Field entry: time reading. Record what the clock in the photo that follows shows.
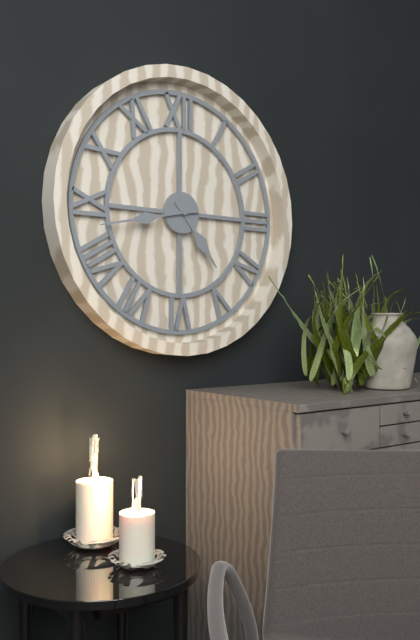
4:43
